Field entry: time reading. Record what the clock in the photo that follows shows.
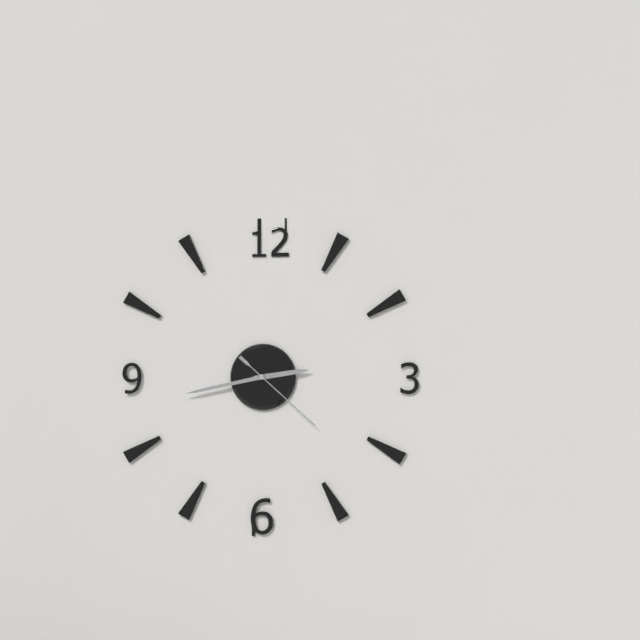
2:43:22
